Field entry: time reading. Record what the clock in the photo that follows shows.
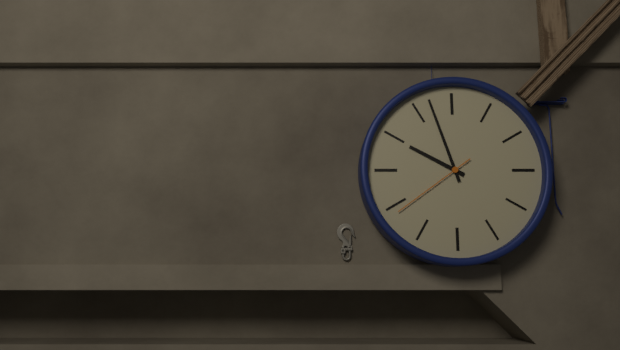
9:57:39
